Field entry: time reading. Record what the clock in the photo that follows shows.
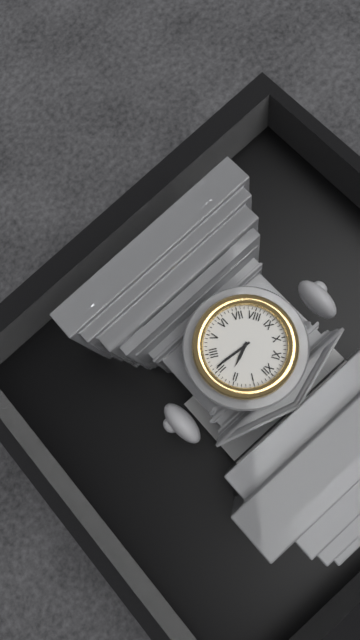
2:16
